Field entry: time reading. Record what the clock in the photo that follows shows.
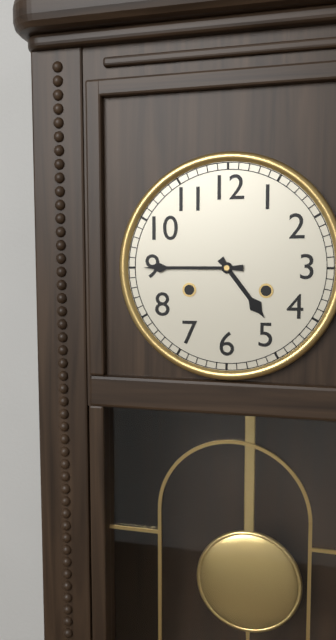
4:45
